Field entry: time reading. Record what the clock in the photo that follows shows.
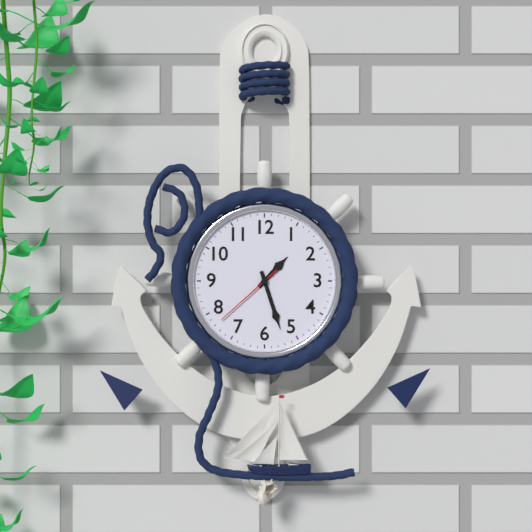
1:27:38
